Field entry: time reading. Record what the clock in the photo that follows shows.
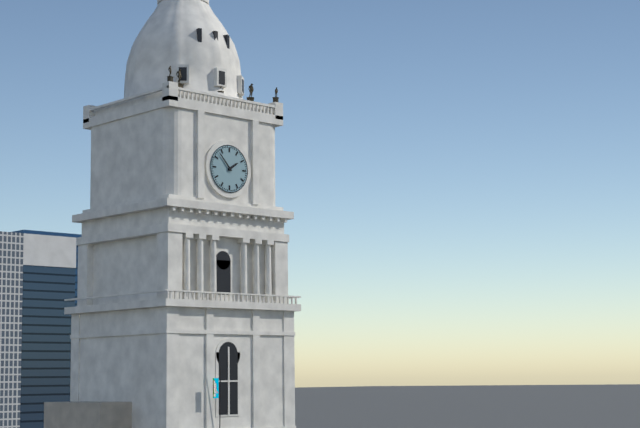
1:53
